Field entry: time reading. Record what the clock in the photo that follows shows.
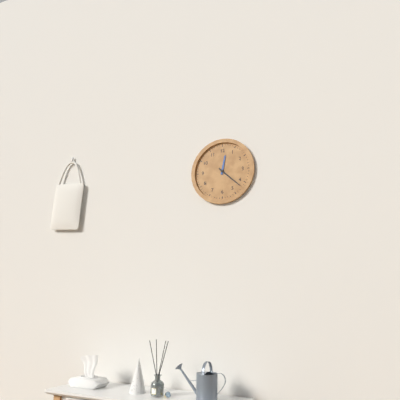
12:22
